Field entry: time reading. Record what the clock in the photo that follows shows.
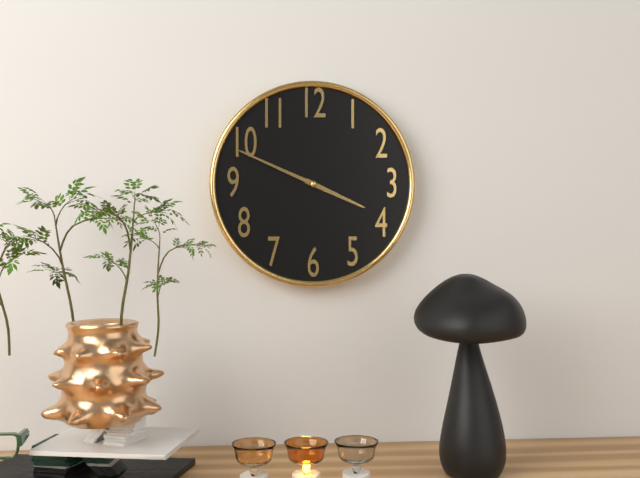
3:49
